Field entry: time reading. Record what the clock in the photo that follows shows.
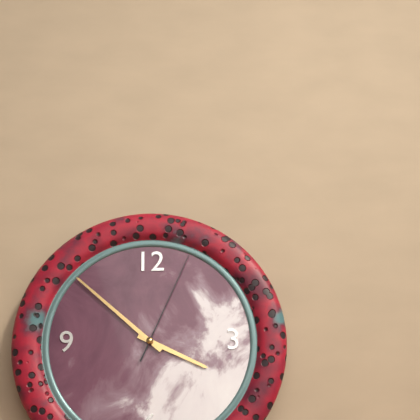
3:52:04
